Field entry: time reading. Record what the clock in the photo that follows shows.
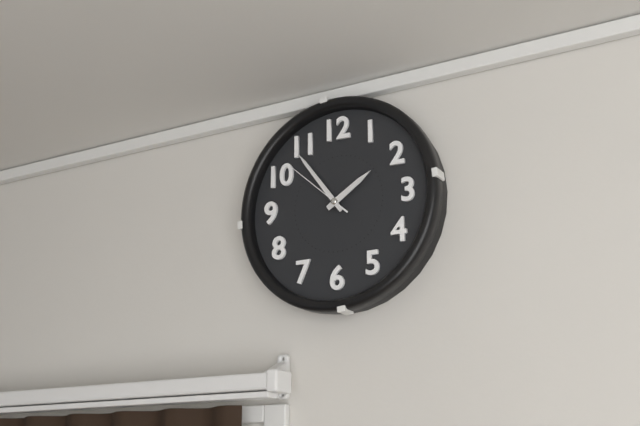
1:54:52
